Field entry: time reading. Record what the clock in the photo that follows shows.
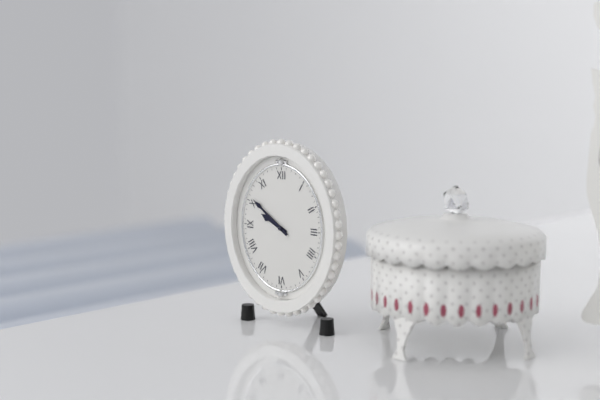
9:51
